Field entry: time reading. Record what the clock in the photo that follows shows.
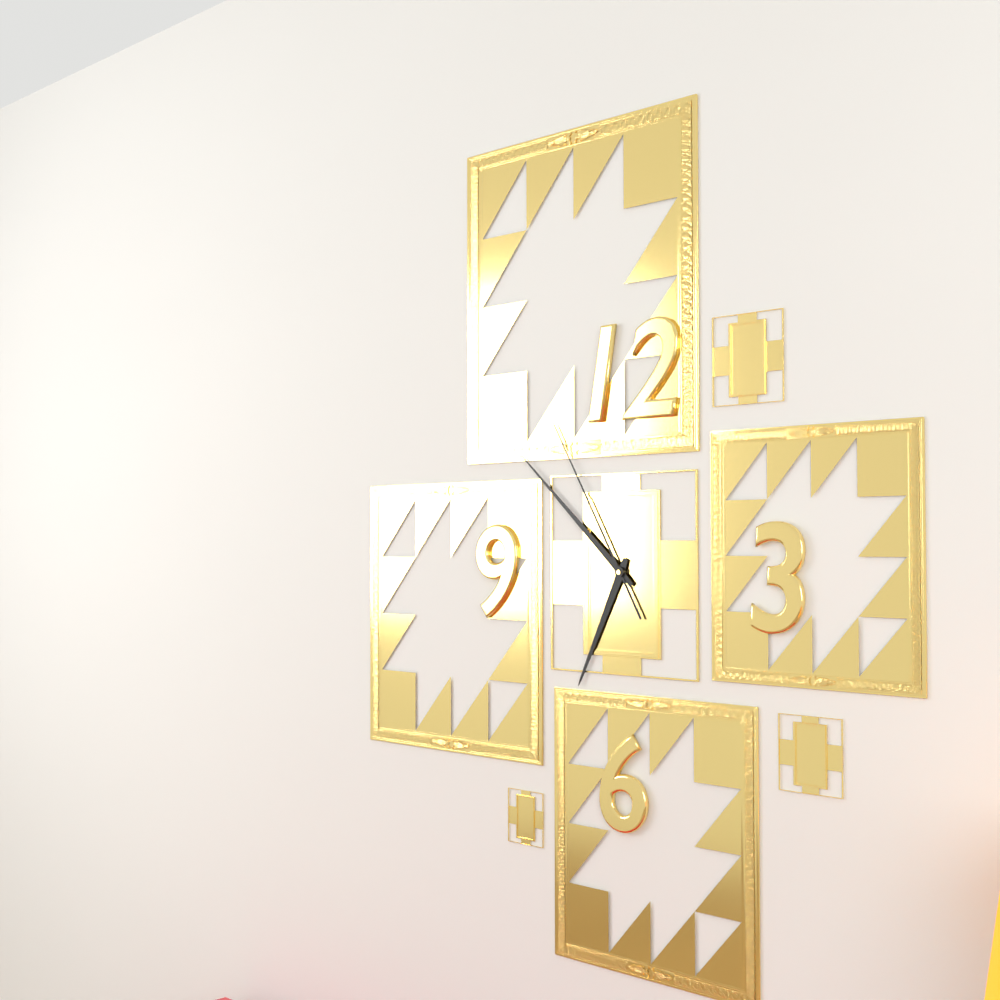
6:52:55
